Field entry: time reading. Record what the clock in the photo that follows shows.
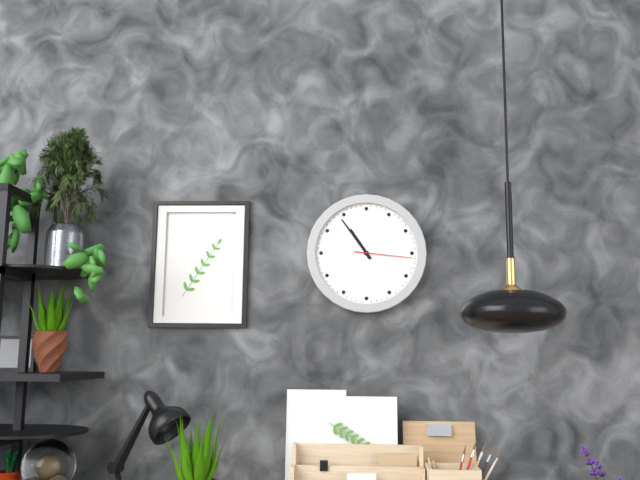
10:54:16
